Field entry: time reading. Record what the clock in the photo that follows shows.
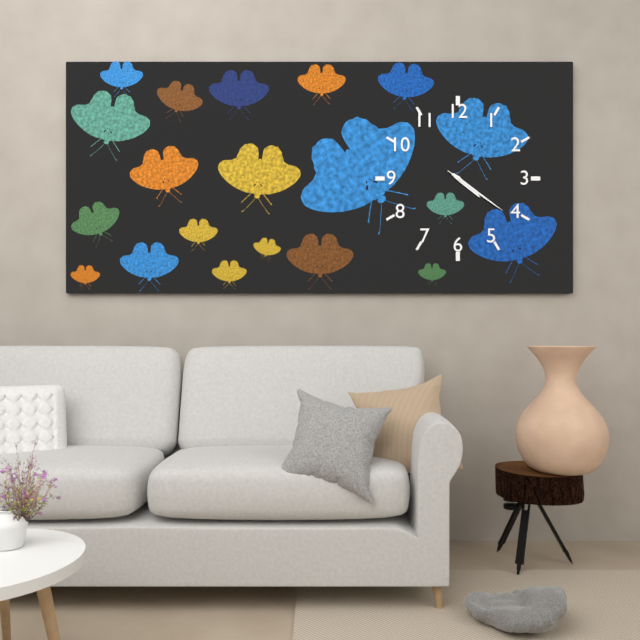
4:21:21
